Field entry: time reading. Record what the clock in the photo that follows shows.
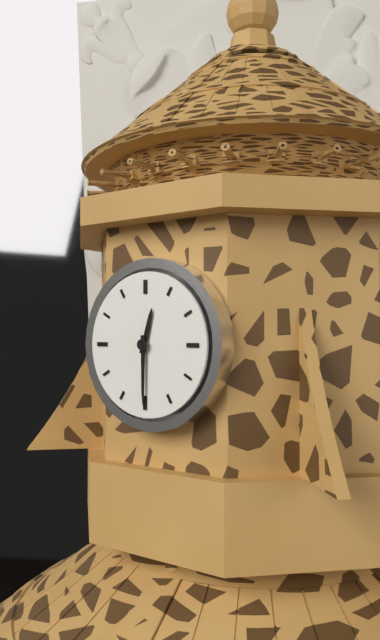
12:30
